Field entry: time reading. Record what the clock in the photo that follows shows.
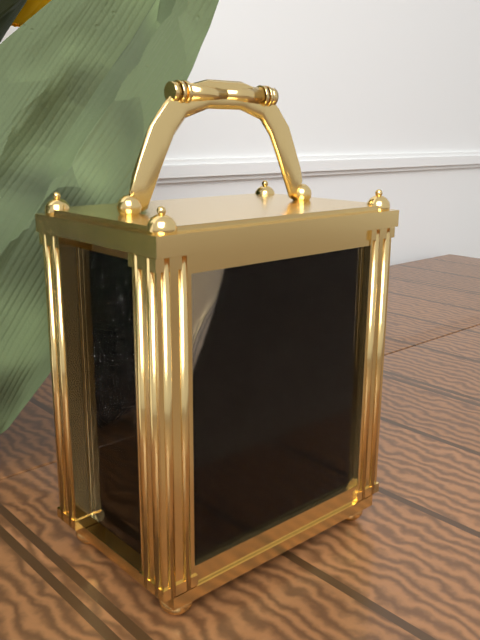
8:42
